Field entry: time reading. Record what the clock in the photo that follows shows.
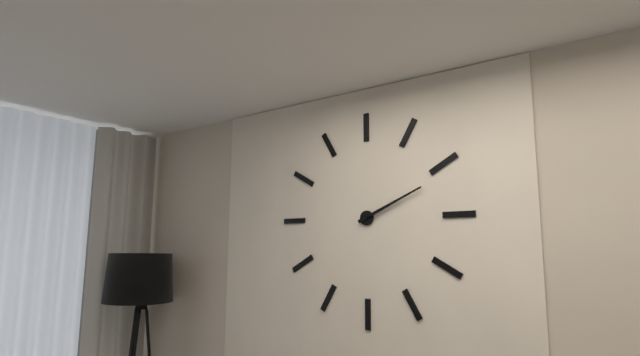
2:11
